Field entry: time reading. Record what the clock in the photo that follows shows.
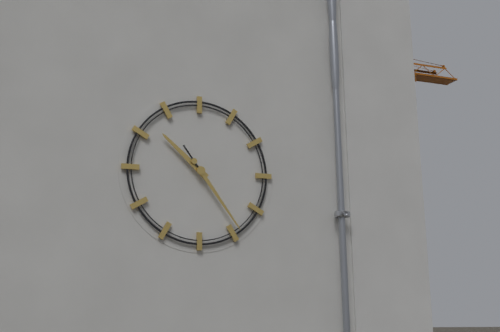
10:24
